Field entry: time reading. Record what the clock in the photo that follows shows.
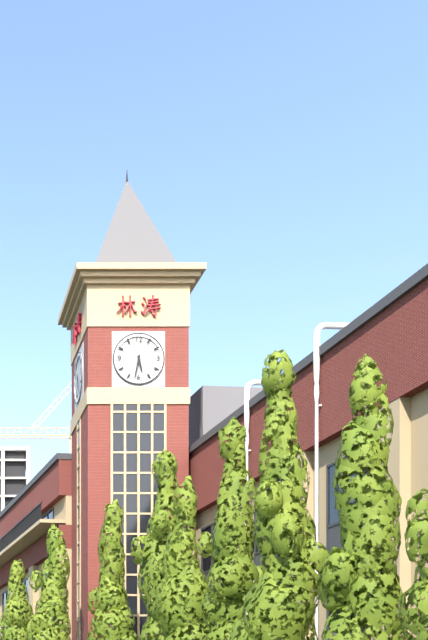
5:32
